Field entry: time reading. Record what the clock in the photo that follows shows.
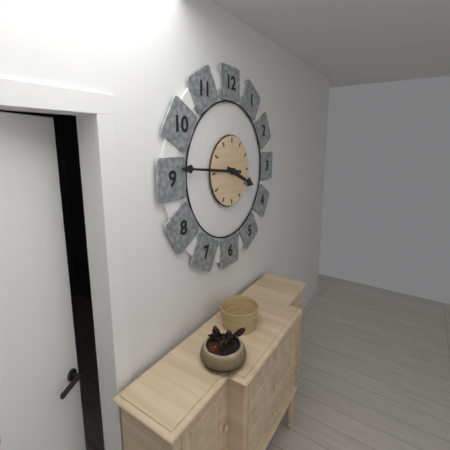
3:46
